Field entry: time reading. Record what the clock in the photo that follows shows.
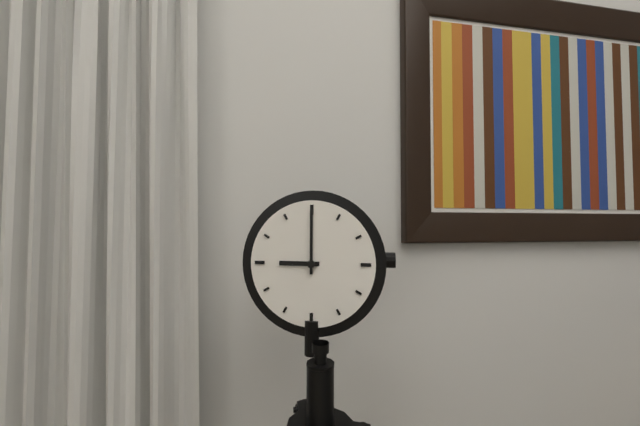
9:00
